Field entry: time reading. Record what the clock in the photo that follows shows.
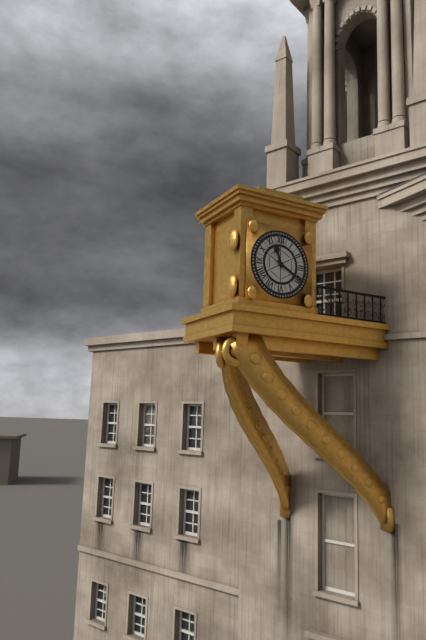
11:20
